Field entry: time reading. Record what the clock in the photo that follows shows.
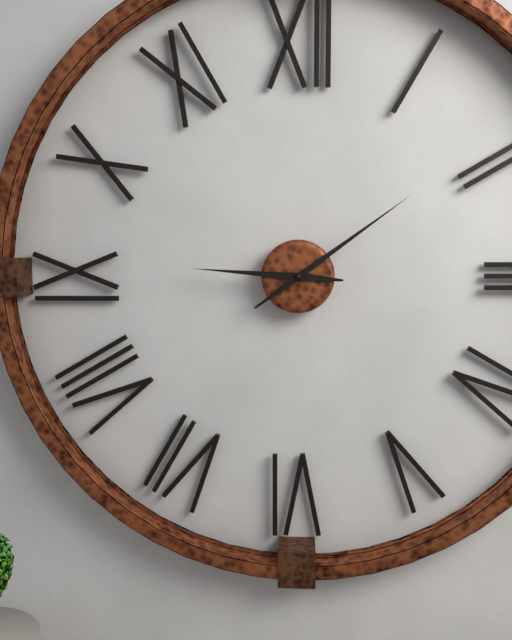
9:09
